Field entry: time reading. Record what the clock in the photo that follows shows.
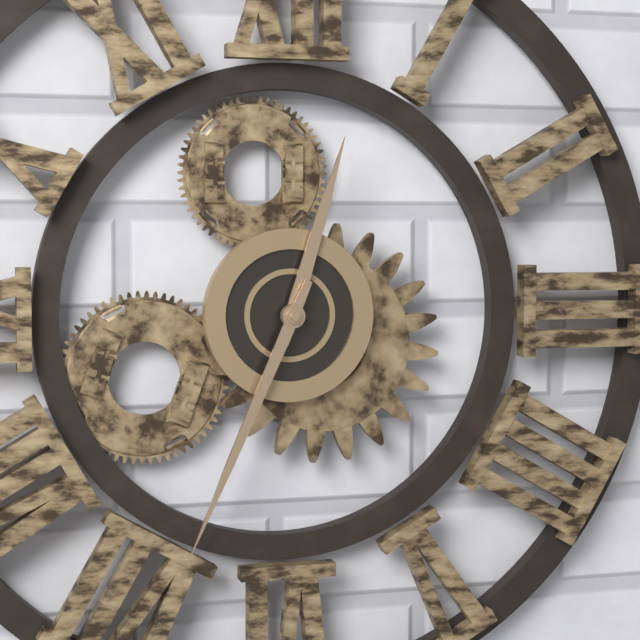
12:34
